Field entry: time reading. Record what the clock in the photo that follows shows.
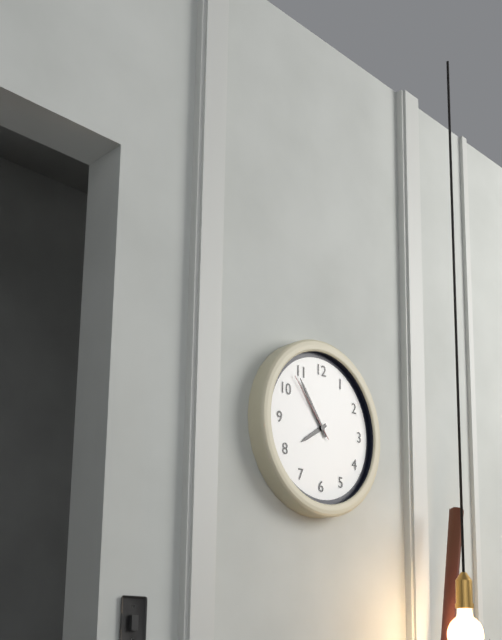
7:54:53
